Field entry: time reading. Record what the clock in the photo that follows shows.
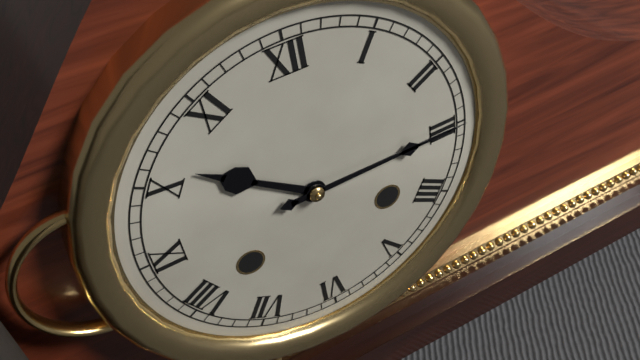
10:15
